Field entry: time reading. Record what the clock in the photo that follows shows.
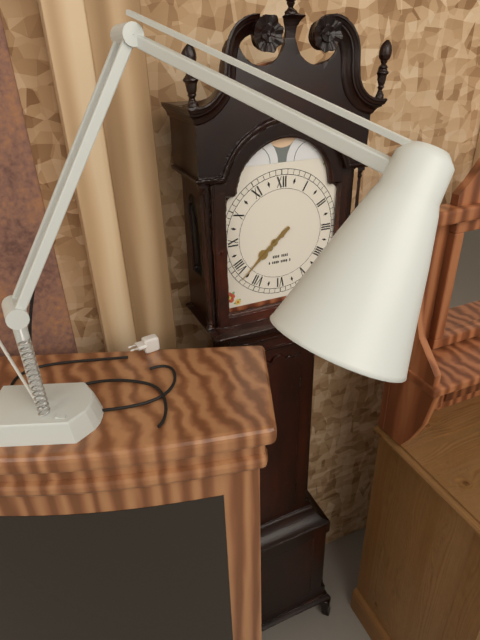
7:38
